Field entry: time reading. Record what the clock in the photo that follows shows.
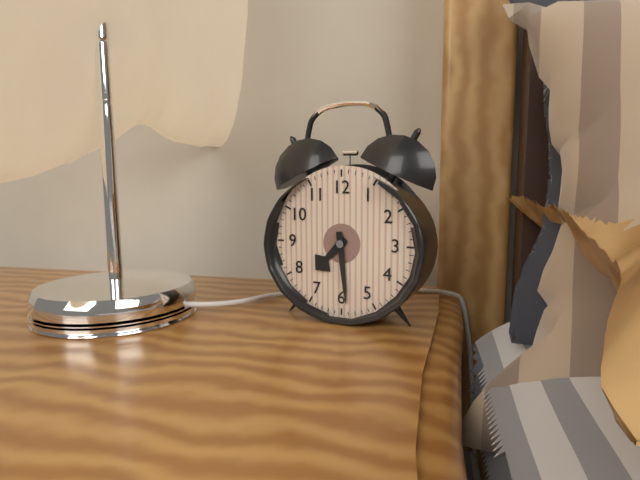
7:29
